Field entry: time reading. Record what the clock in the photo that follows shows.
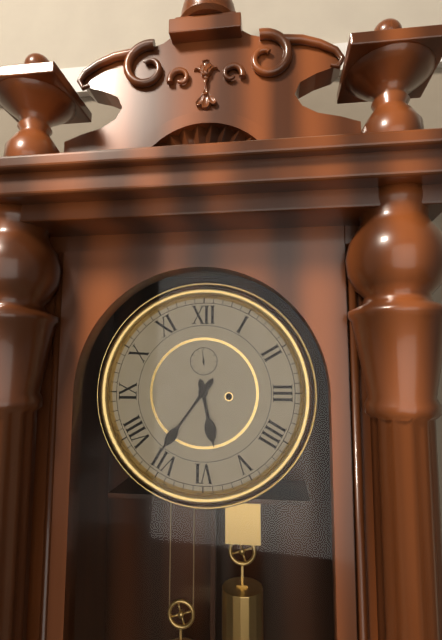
5:36
